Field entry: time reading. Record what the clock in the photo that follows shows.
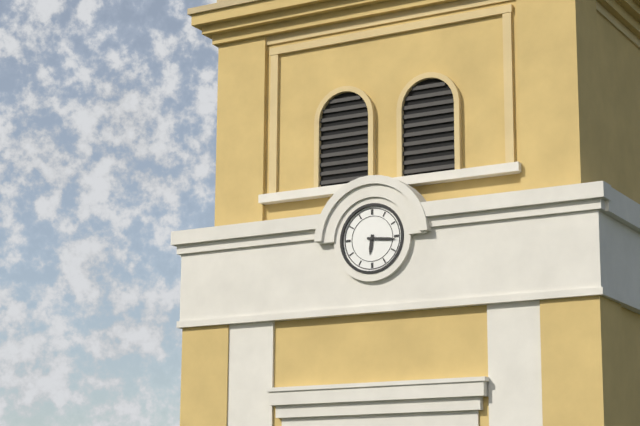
6:16
